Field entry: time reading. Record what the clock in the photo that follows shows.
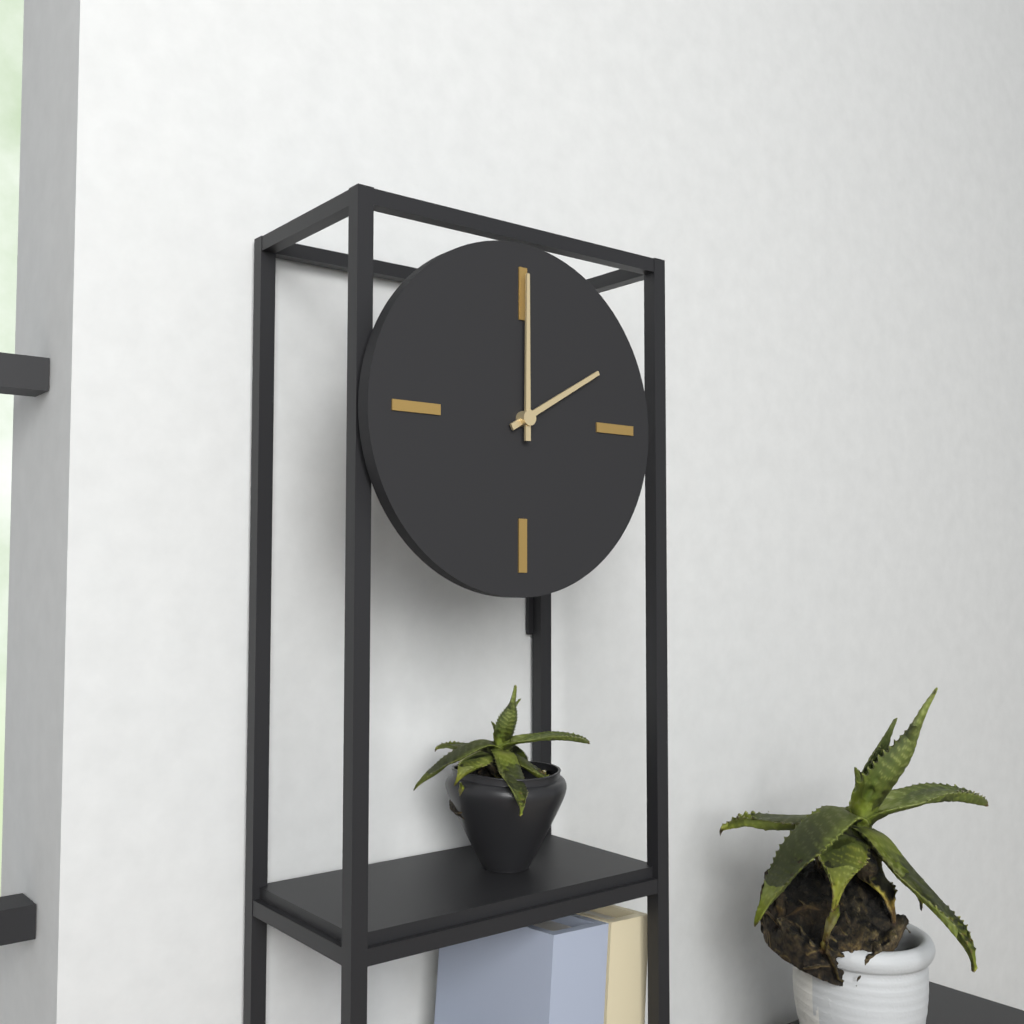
2:00
